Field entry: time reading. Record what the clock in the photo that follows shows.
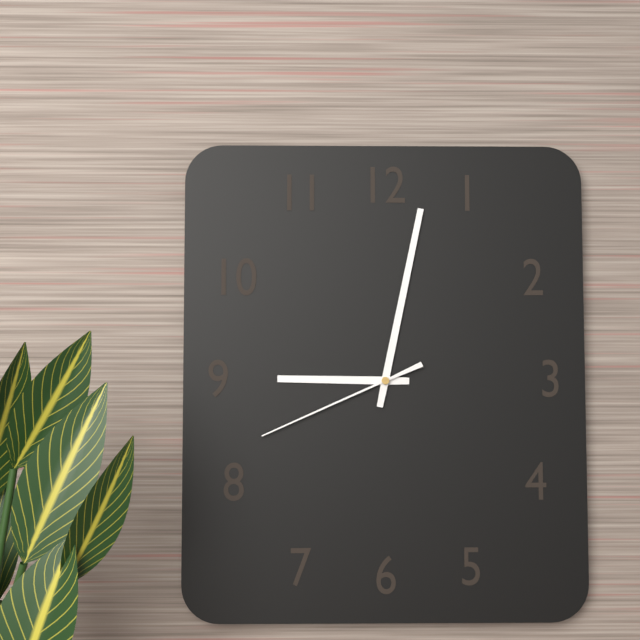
9:02:41
